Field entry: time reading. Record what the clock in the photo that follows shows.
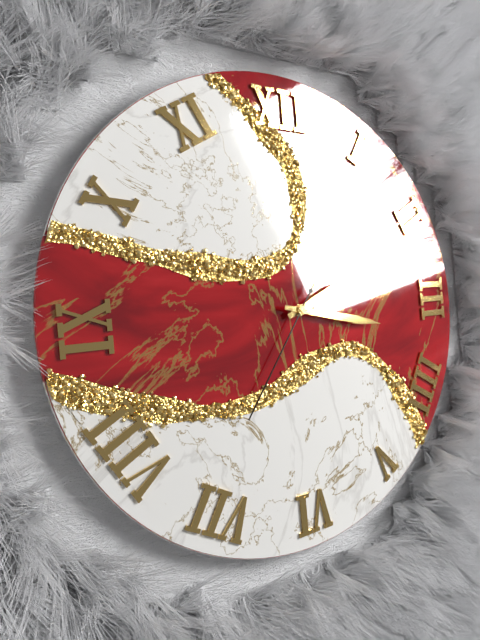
2:17:36
